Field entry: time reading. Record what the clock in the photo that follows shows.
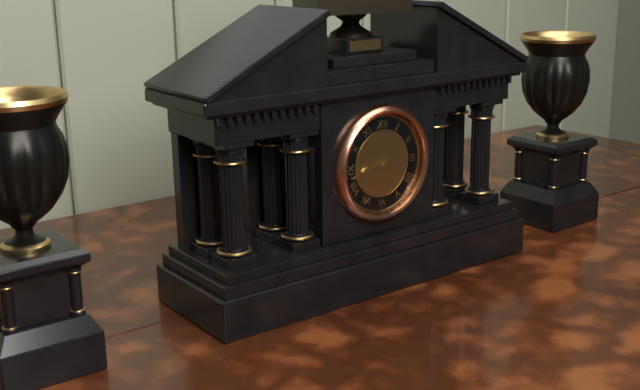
8:43
